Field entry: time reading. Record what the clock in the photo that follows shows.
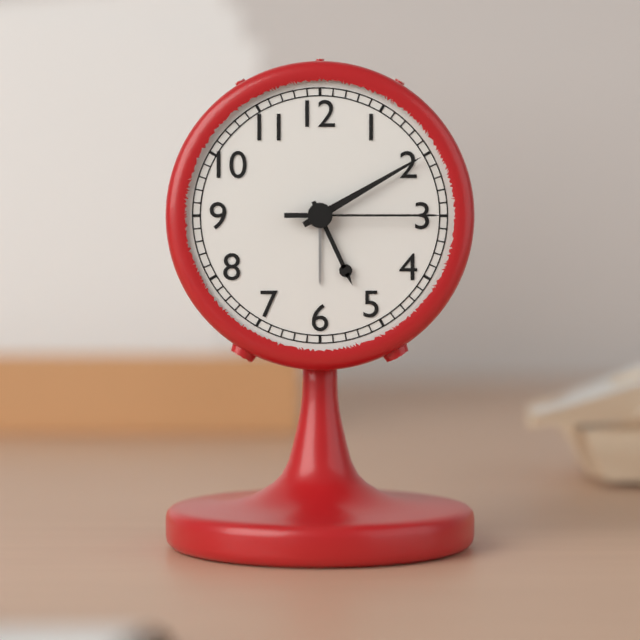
5:10:15
